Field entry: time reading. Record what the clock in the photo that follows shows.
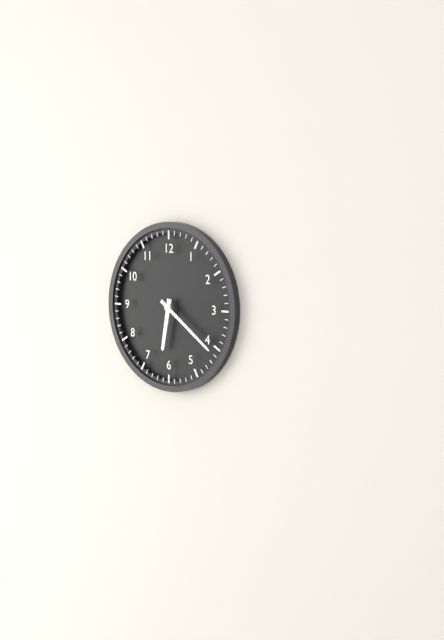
6:21
